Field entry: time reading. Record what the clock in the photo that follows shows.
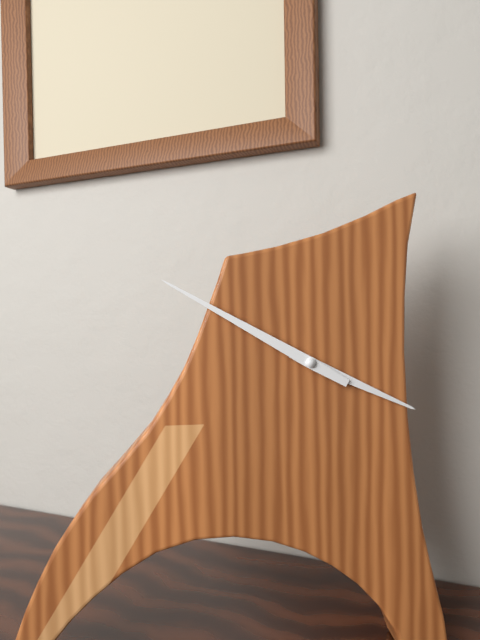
3:50
